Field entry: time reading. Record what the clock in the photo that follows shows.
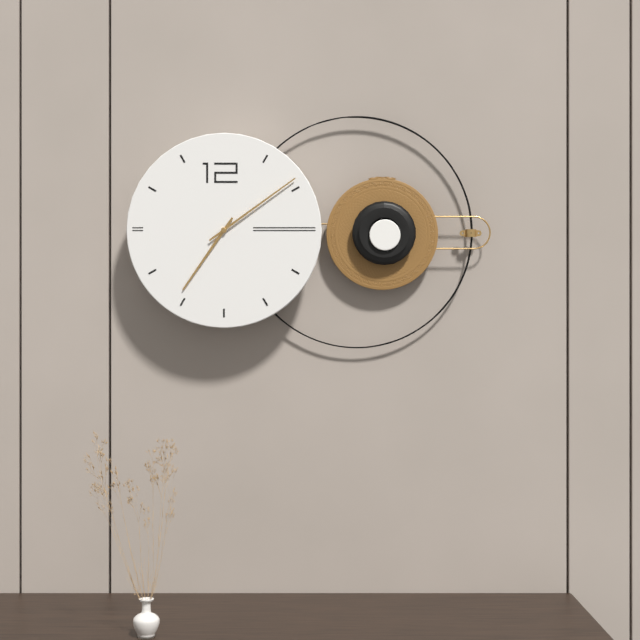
7:09
